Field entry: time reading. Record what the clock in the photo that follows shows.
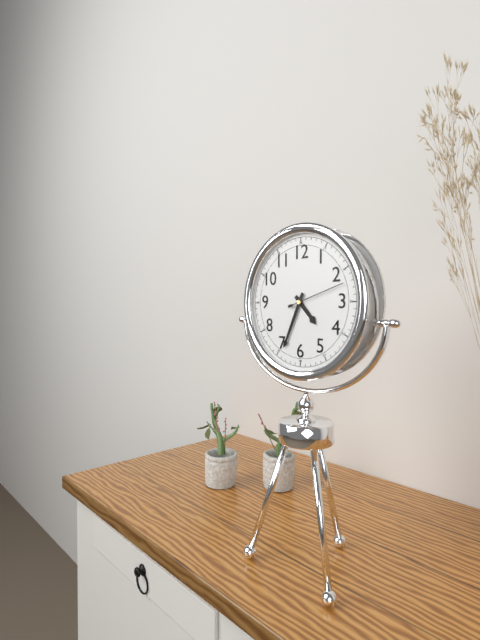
4:34:12
